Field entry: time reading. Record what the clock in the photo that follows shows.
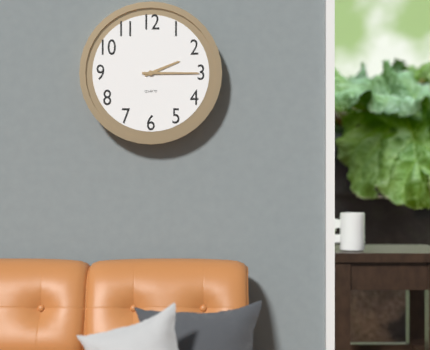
2:15
